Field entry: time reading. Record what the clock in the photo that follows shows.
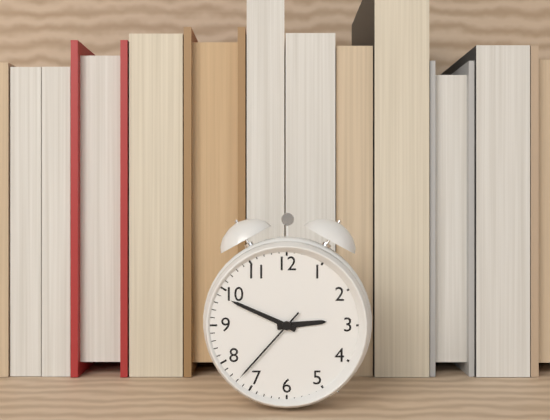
2:49:37
